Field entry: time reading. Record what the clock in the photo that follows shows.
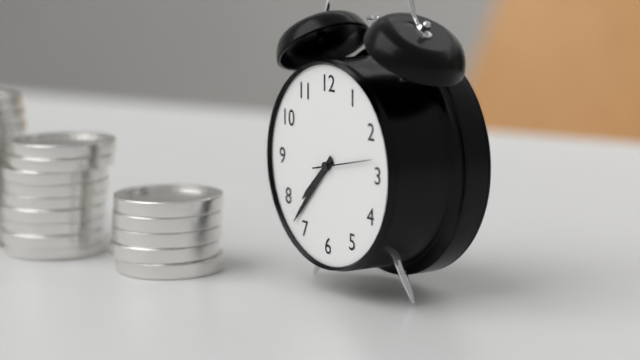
7:37:13
